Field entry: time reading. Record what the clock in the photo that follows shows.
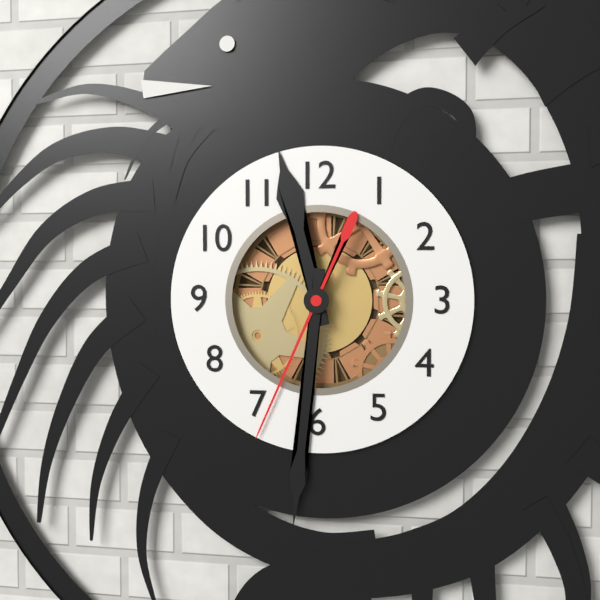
11:31:34
